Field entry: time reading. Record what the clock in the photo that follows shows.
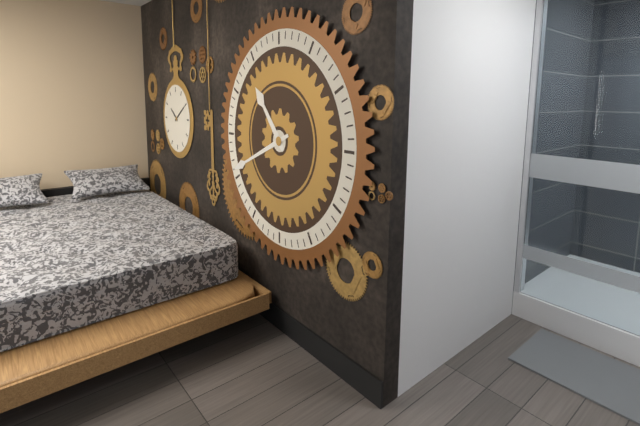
10:41
